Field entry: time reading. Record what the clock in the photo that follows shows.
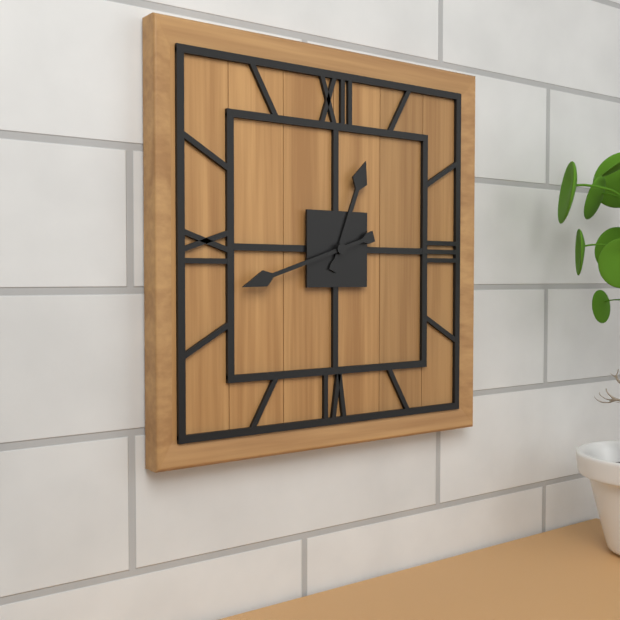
12:42
